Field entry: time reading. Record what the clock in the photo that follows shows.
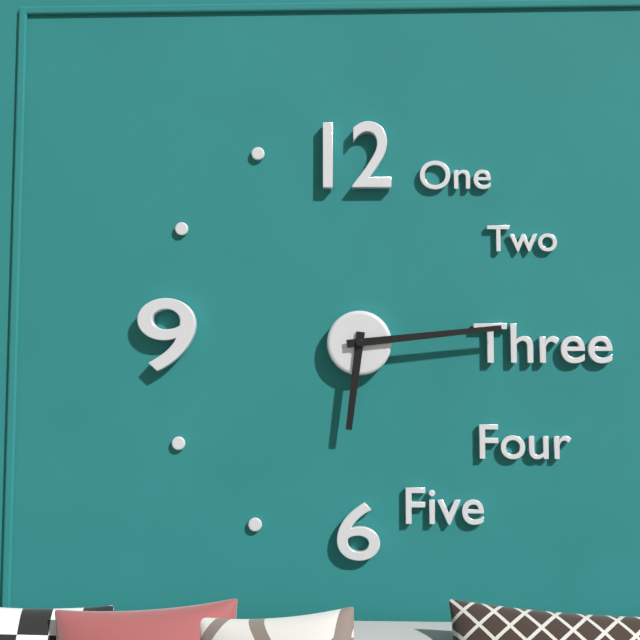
6:14
